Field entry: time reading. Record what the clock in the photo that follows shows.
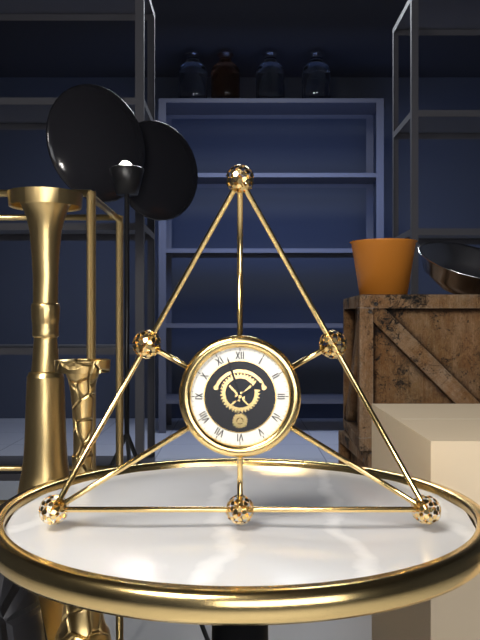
1:57
